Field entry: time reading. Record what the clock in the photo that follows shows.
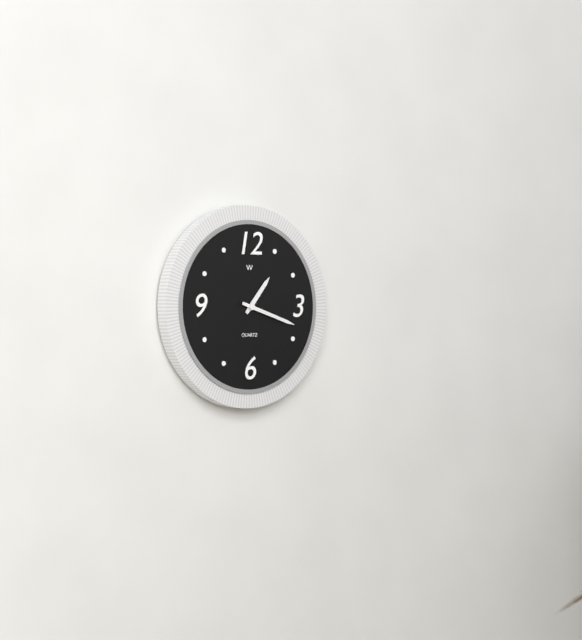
1:18
